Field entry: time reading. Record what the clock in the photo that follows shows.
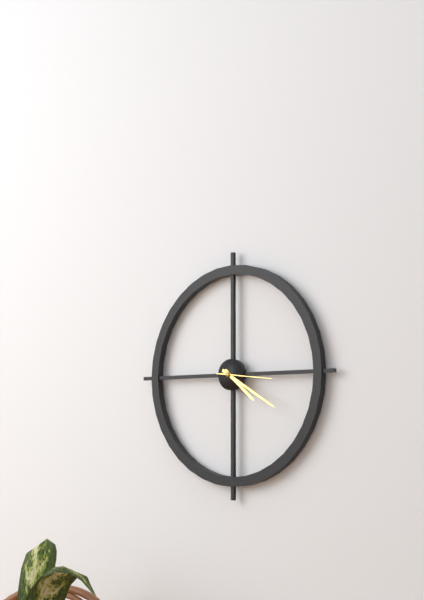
4:20
